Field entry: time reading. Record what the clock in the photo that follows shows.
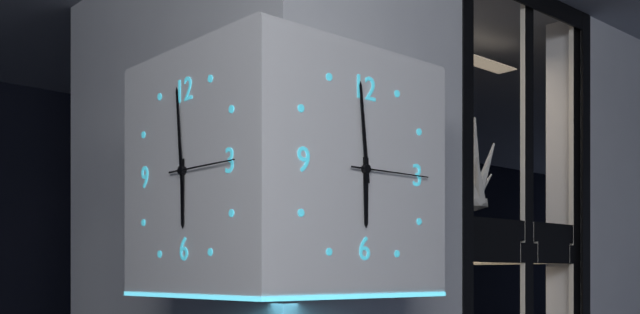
5:59:15
